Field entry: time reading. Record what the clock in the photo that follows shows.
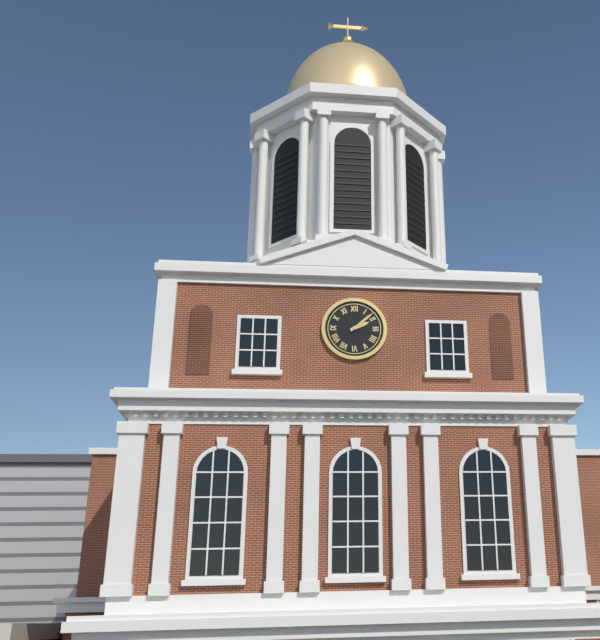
2:08
